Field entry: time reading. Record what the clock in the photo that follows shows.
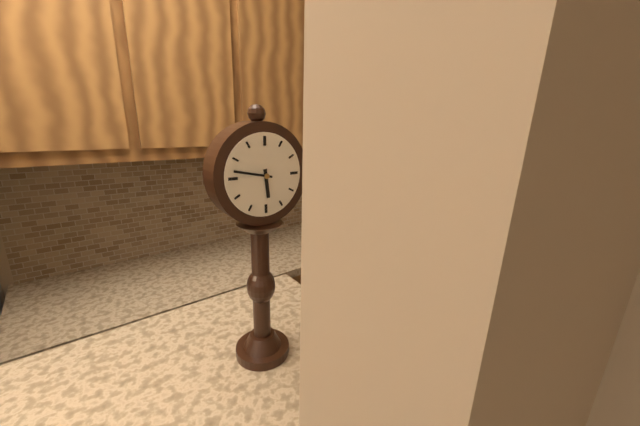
5:47
